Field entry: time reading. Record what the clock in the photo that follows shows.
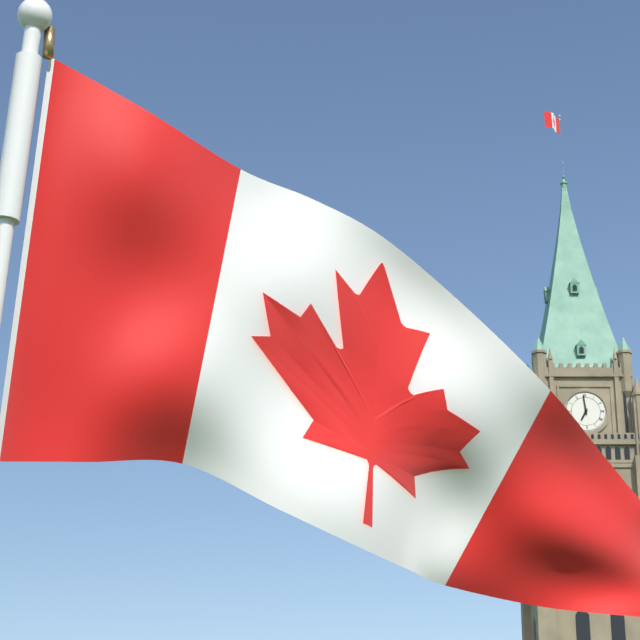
6:59
